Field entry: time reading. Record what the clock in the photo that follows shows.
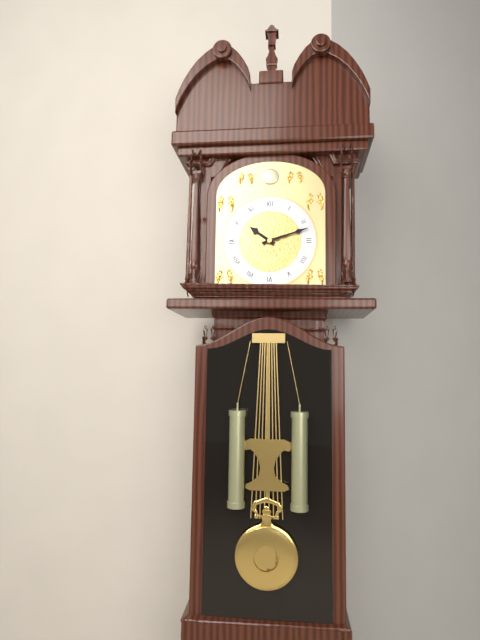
10:12
